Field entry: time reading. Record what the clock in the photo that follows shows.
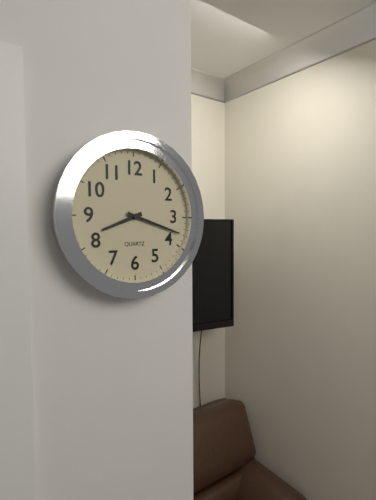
8:18
